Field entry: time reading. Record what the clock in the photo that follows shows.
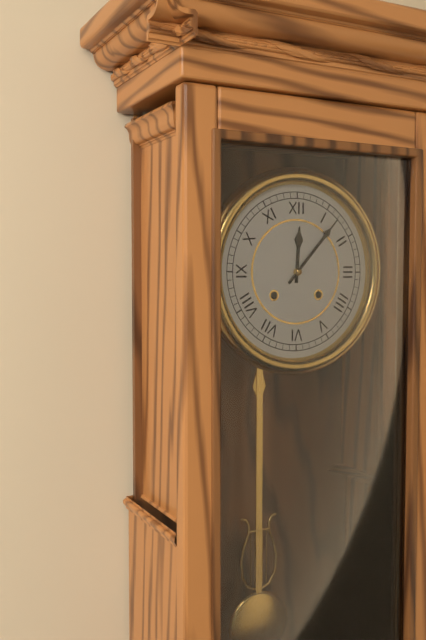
12:07
